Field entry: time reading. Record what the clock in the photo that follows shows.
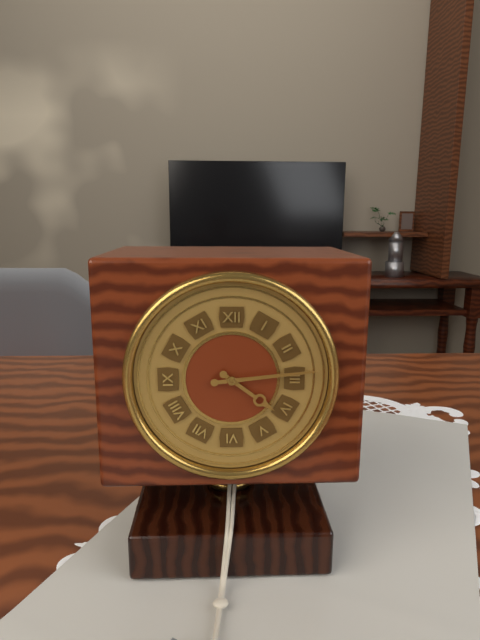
4:14
